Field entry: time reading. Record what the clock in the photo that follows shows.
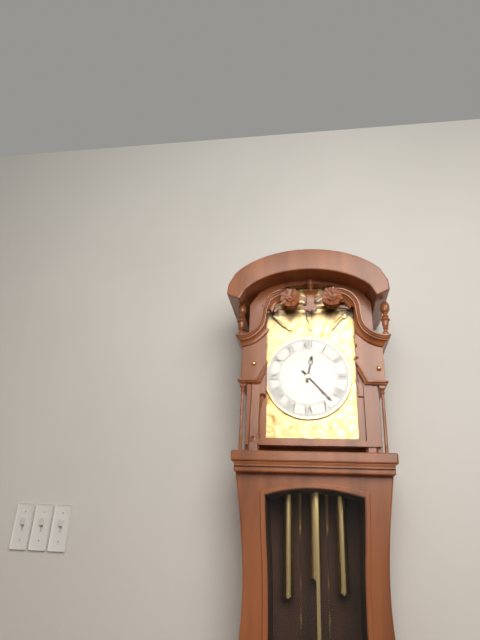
12:23
